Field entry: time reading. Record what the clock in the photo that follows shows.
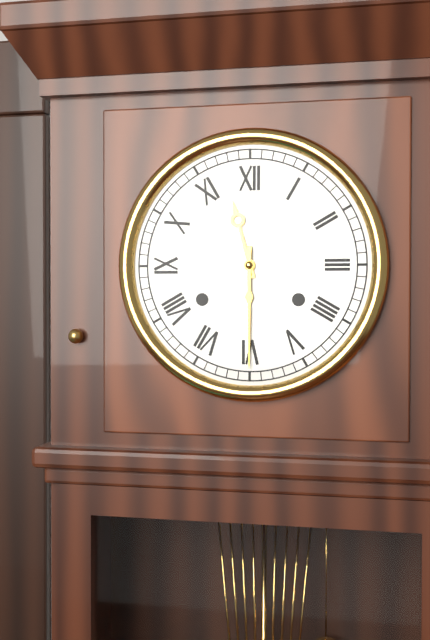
11:30
